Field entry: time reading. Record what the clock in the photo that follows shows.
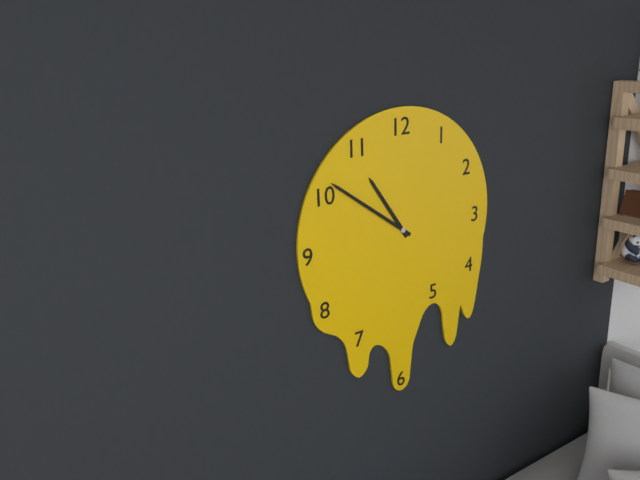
10:51
